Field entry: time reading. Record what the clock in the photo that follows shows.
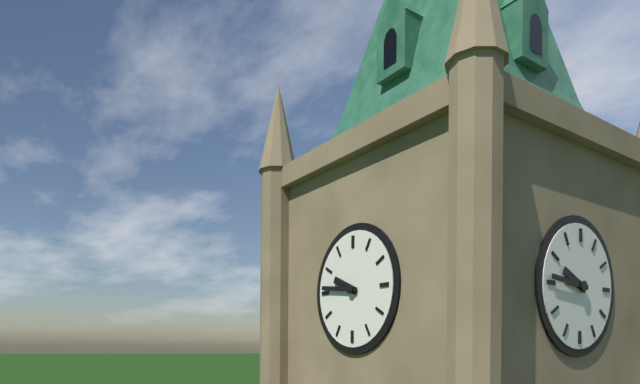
9:46
